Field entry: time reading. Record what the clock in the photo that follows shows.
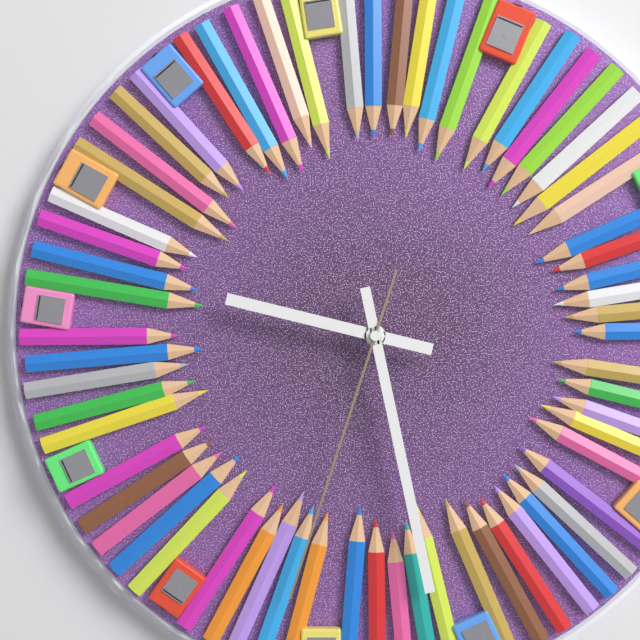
9:28:33
